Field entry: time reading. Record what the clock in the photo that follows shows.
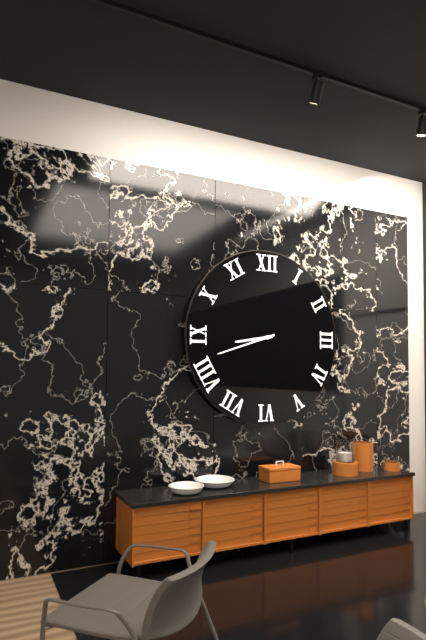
8:42
